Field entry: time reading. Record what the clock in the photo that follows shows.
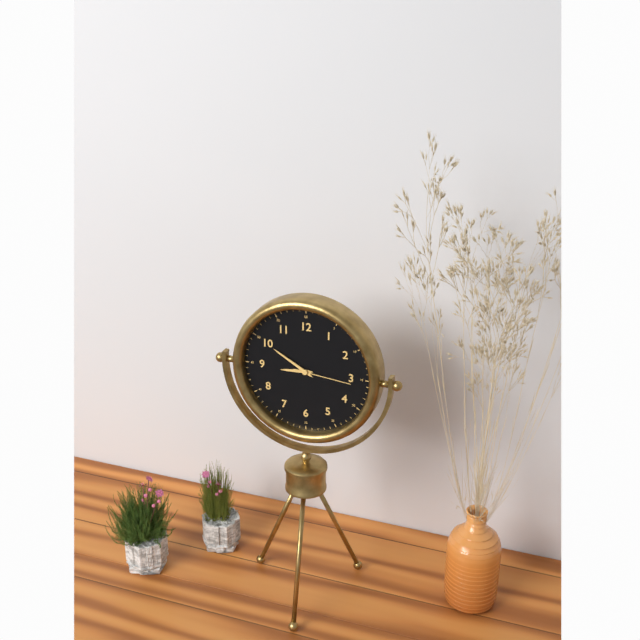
8:50:16
